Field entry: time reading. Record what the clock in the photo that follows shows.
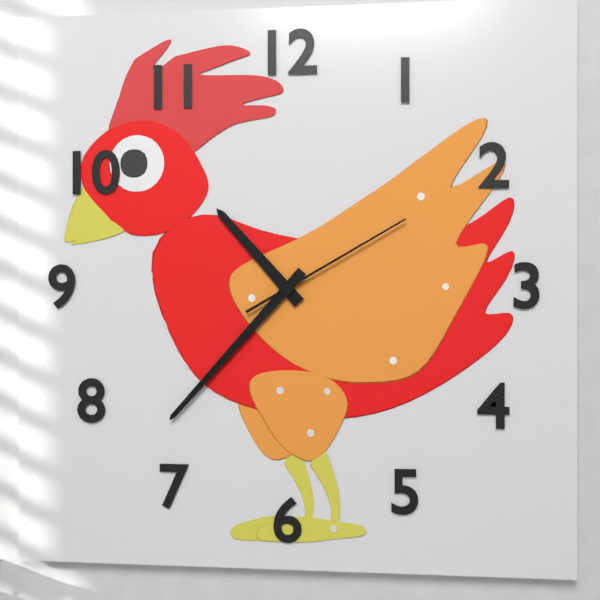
10:37:10
